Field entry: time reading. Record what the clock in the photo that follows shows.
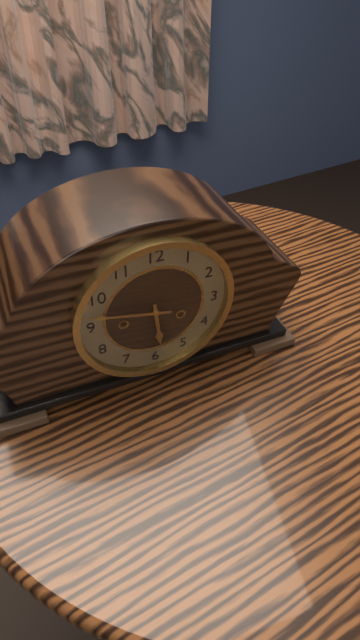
5:47
